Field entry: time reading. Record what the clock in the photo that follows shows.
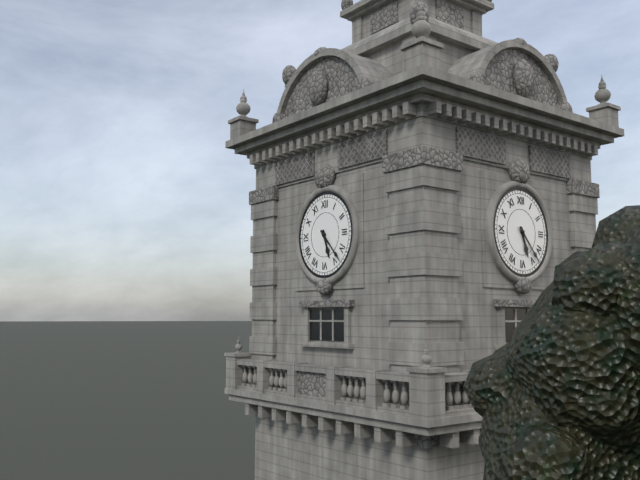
5:23
